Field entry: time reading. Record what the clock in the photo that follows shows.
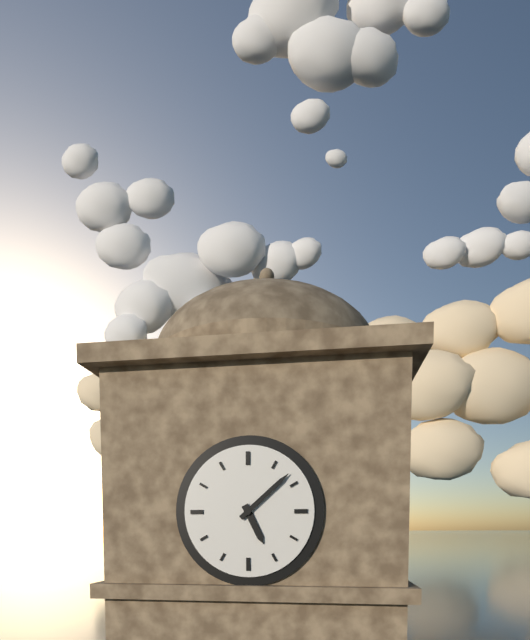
5:08
